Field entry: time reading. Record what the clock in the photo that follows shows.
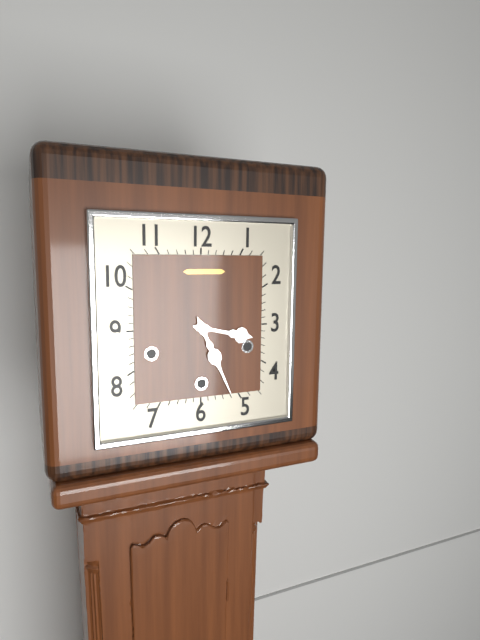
3:26
